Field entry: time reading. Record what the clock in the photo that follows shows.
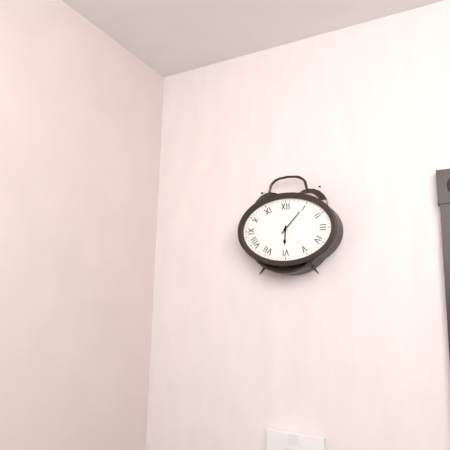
6:07
